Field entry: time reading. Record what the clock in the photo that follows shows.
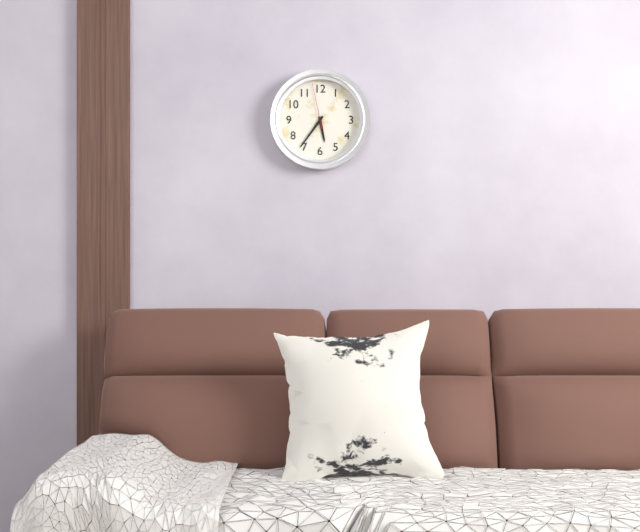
5:36
